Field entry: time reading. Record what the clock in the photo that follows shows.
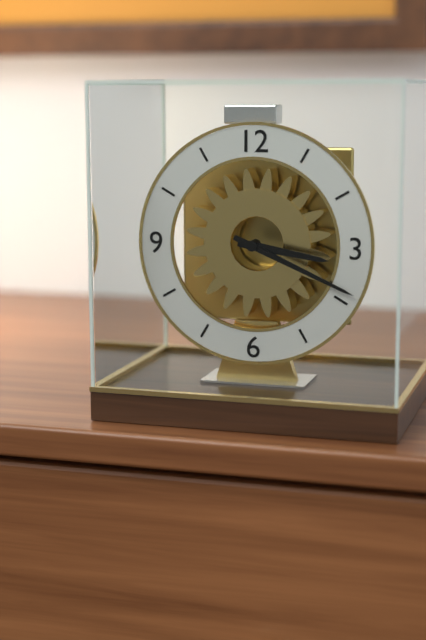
3:19
